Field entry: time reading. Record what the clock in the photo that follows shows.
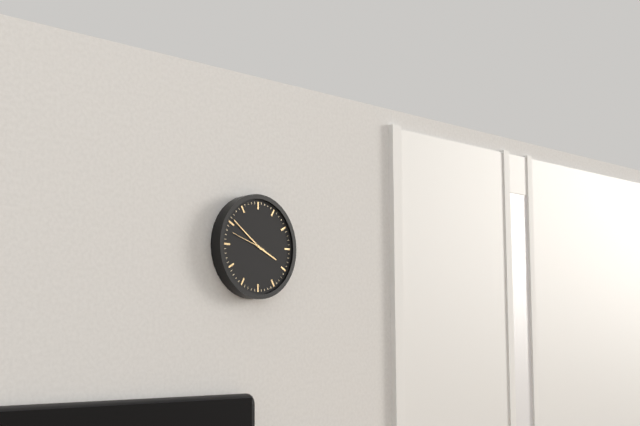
3:51
